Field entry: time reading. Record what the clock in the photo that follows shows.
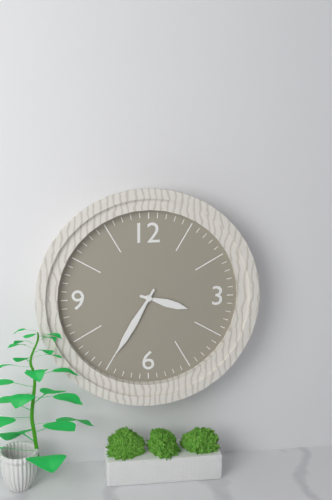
3:35
